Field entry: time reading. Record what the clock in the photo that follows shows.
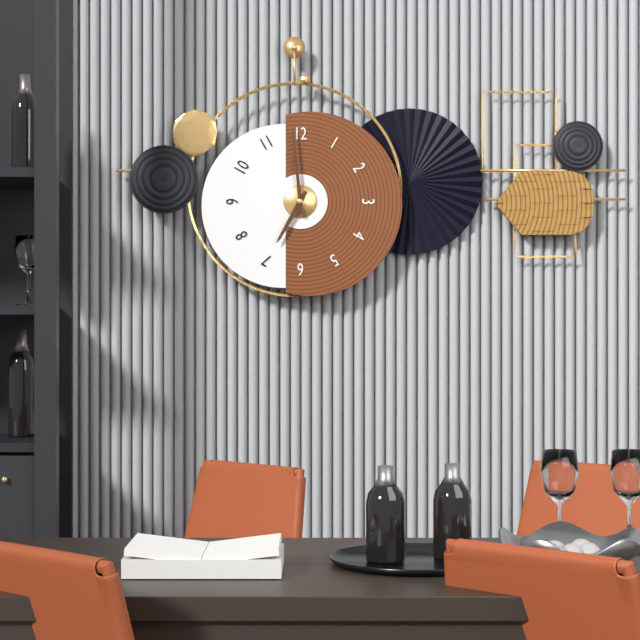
6:59
